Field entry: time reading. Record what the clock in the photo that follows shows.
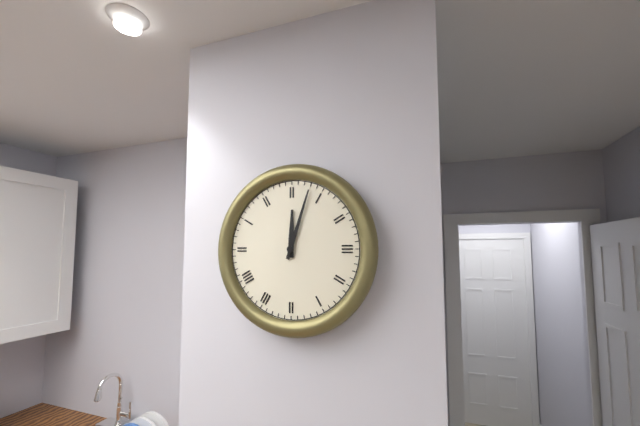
12:03
